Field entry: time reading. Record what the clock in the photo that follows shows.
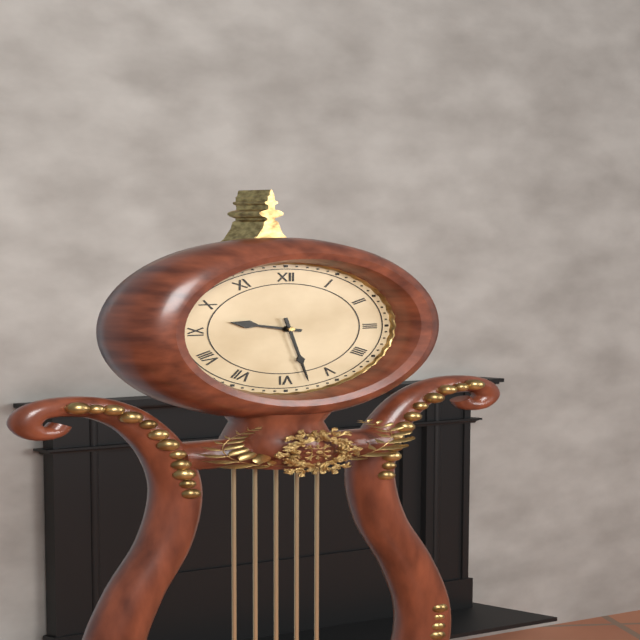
9:28
